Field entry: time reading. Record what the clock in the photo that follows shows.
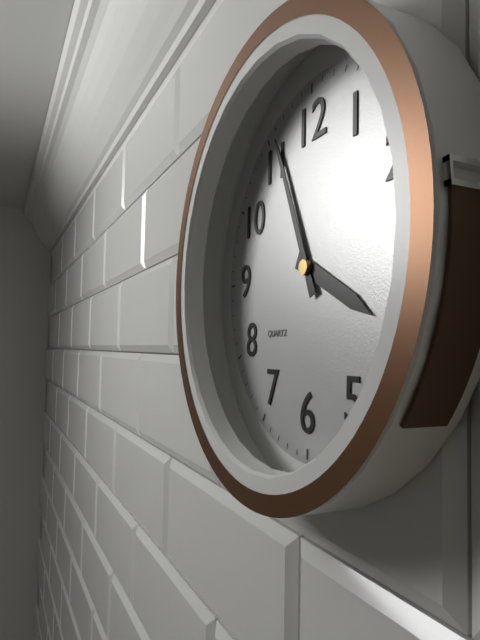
3:56
